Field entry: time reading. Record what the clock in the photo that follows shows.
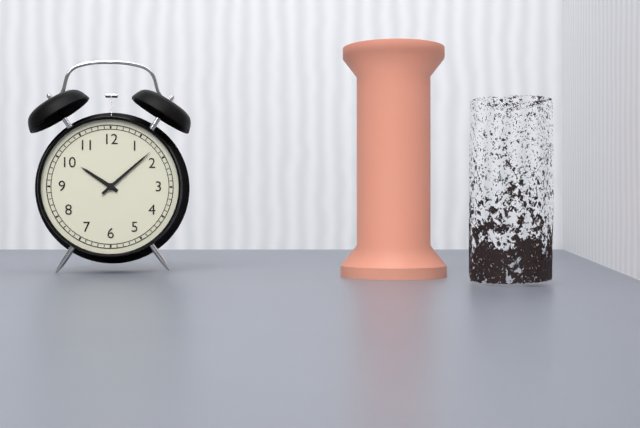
10:08
